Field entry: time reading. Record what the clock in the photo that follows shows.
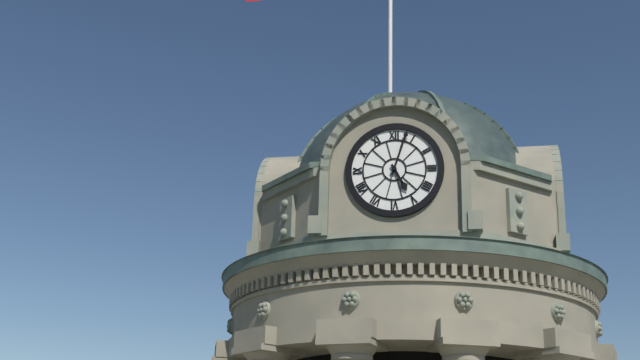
5:03
